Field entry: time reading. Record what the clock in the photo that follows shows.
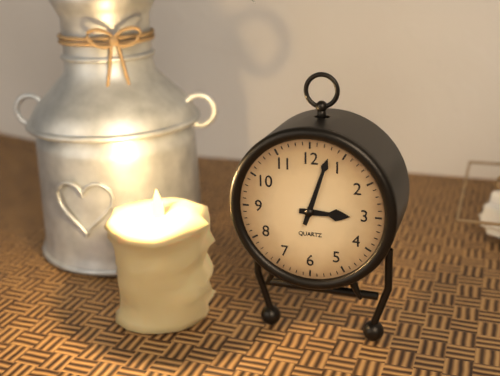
3:03
